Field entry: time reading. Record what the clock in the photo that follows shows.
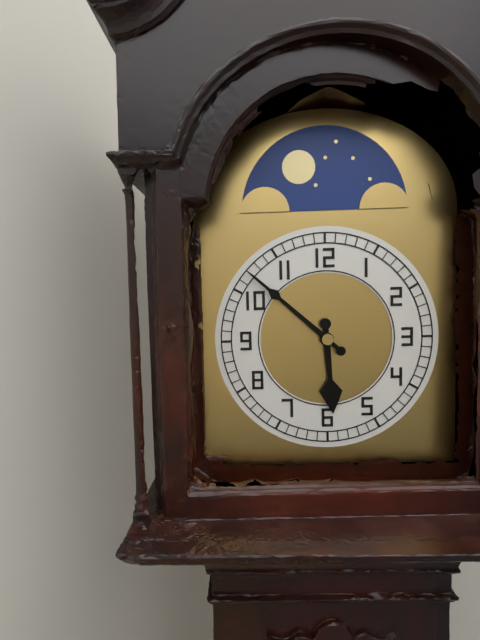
5:52
